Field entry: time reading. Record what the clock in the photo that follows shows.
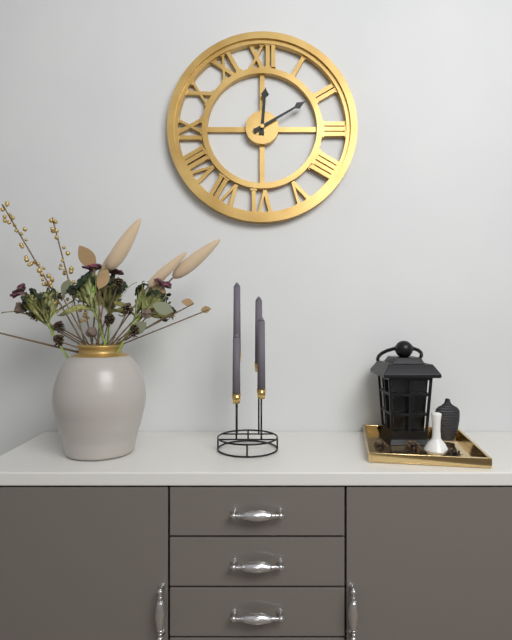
12:10
